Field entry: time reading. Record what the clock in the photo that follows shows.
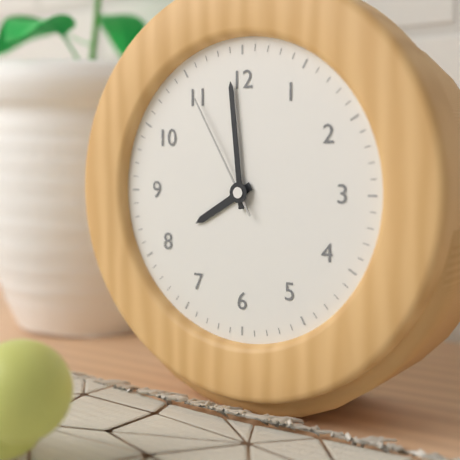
7:59:55
